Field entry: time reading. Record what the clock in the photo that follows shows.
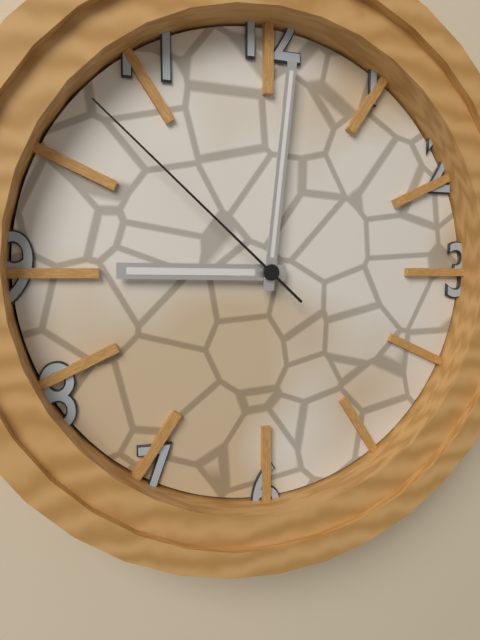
9:01:52
